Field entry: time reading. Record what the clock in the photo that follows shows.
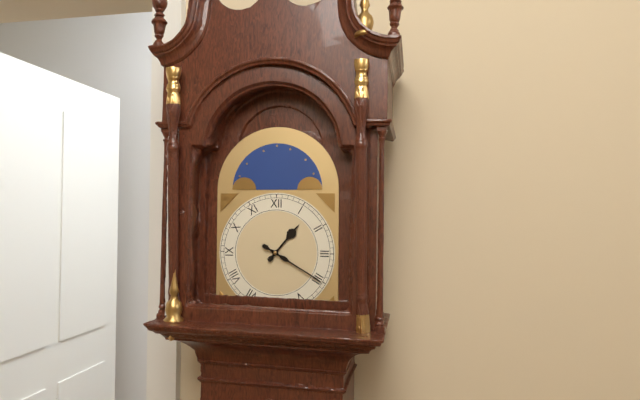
1:20
